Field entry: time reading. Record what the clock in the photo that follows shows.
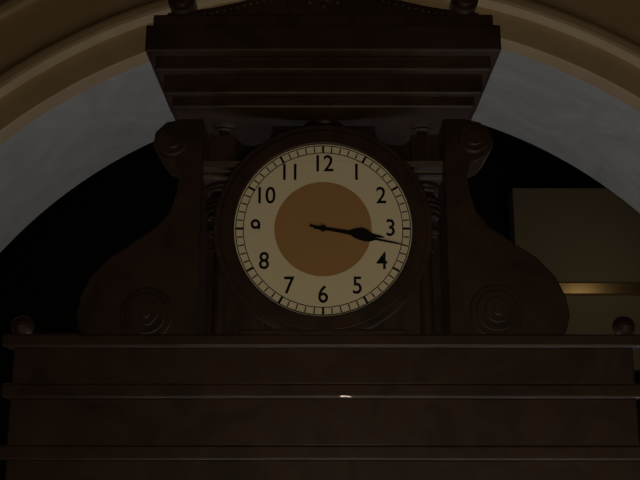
3:17
